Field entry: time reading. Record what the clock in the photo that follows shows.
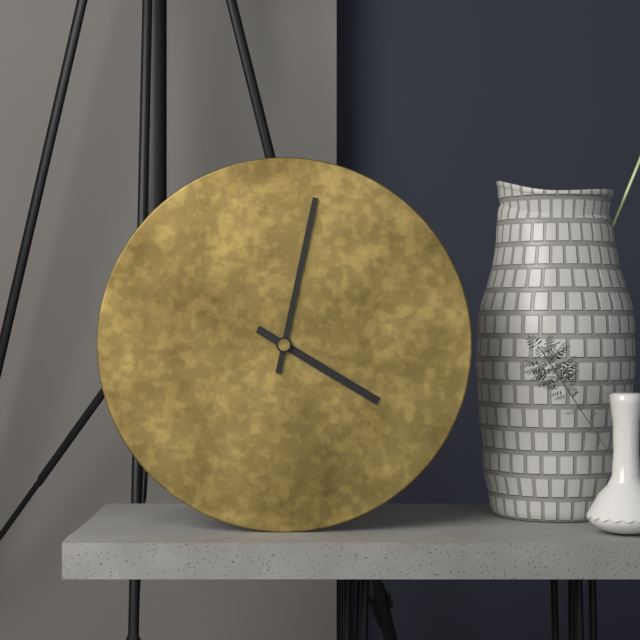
4:02
